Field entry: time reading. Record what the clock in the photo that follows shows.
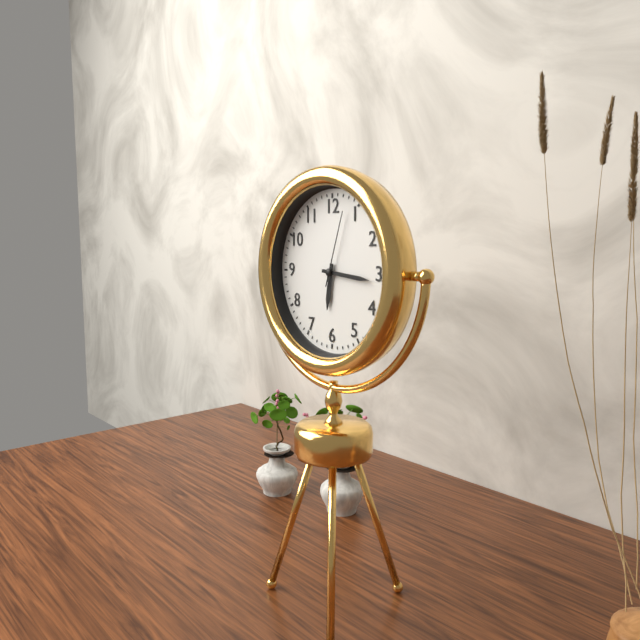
6:16:03
